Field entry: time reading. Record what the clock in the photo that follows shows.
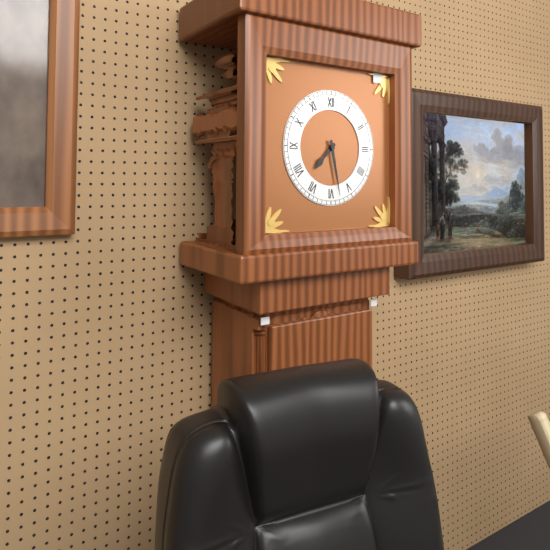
7:28
